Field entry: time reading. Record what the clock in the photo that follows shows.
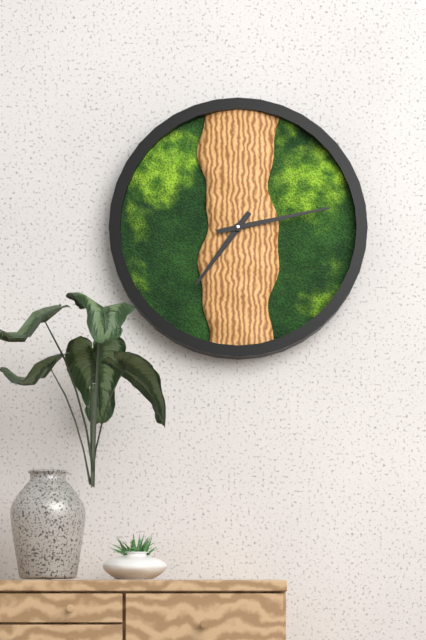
7:13
